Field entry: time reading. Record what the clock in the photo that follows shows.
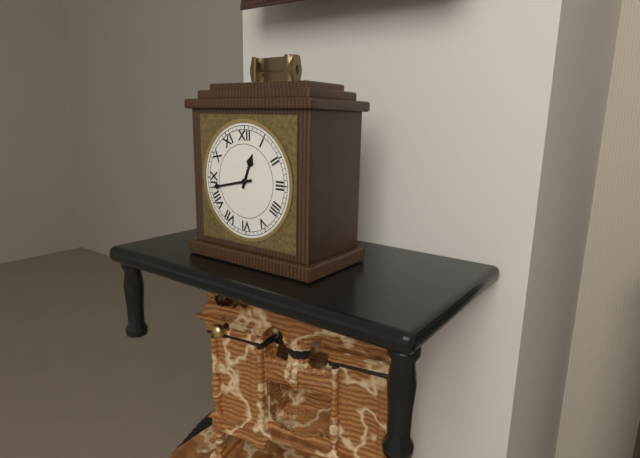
12:43
